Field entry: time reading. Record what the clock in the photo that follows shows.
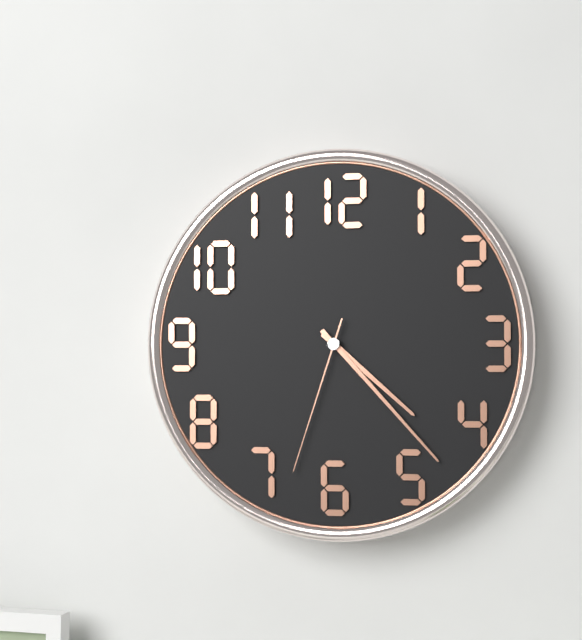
4:23:33
